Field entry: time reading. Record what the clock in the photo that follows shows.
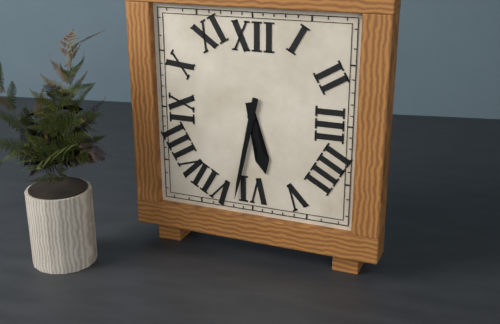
5:32
